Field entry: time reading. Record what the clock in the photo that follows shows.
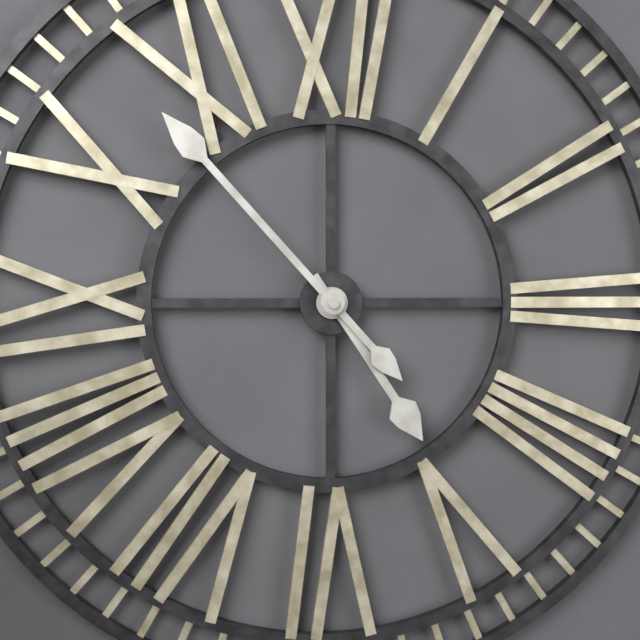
4:53
